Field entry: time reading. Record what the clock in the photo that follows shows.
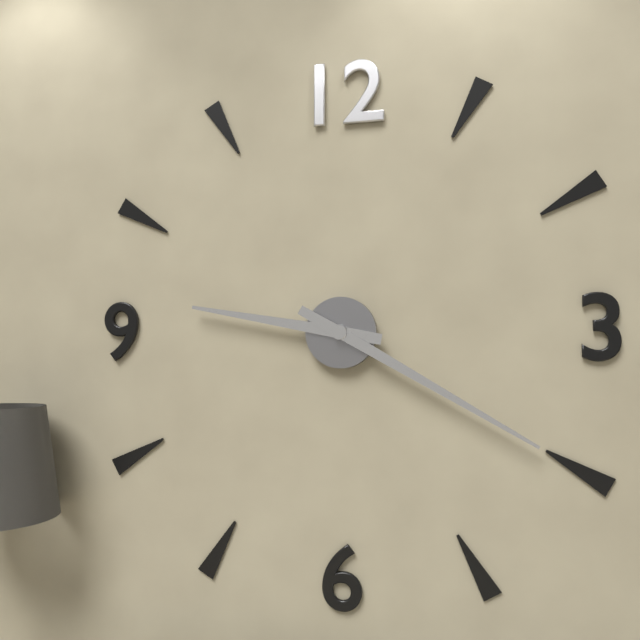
9:20
